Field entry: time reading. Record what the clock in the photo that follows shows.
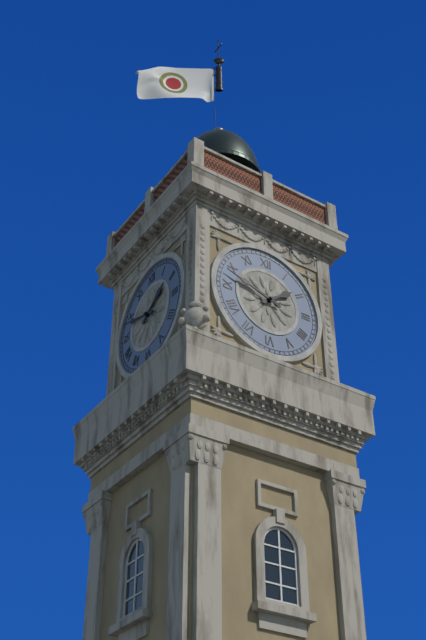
1:48
